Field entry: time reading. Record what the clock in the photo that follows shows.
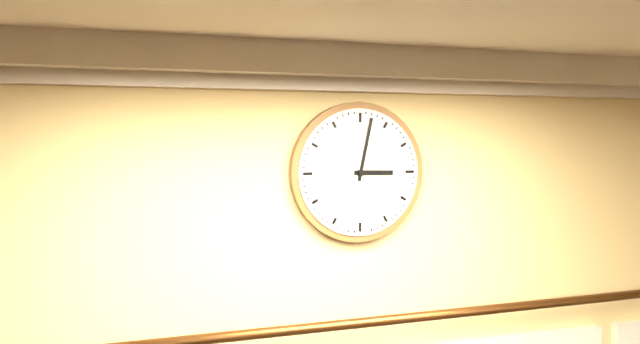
3:02
